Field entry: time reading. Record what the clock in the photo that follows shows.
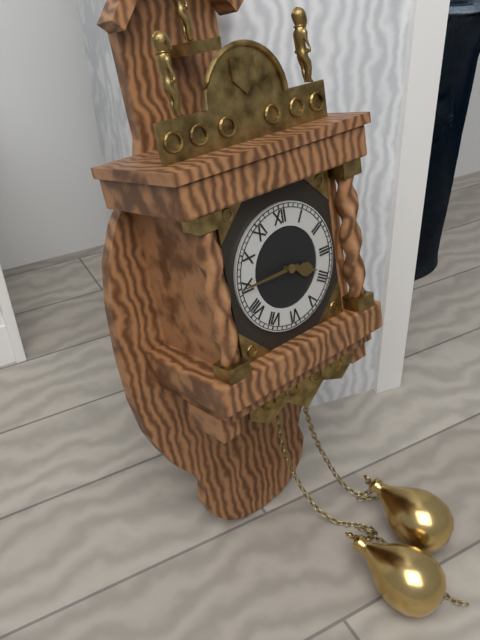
3:45
